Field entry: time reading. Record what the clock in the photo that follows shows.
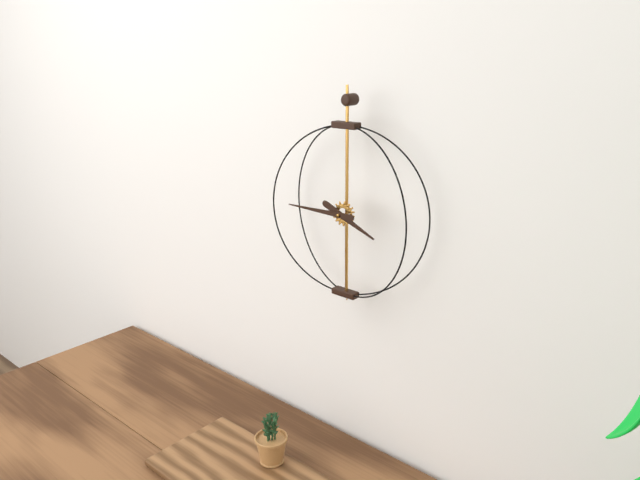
3:45
